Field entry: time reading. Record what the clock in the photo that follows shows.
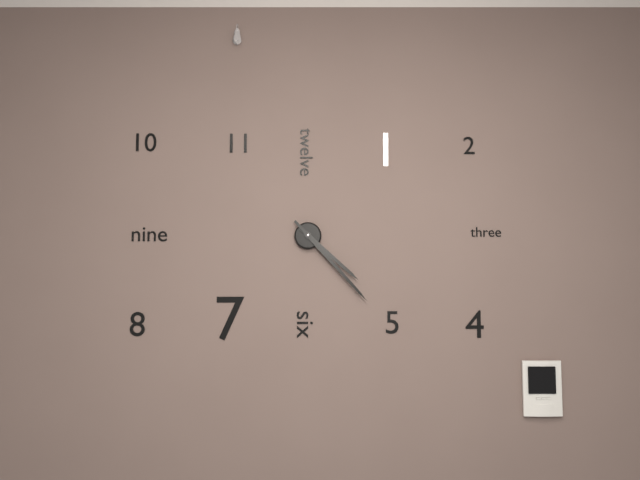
4:23
